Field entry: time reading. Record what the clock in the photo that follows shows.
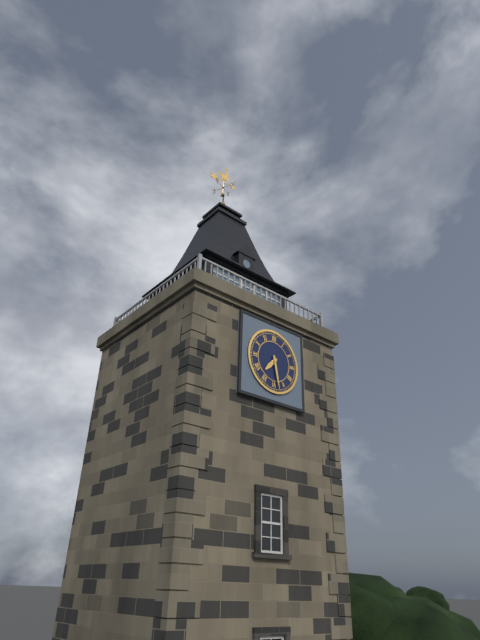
7:28
